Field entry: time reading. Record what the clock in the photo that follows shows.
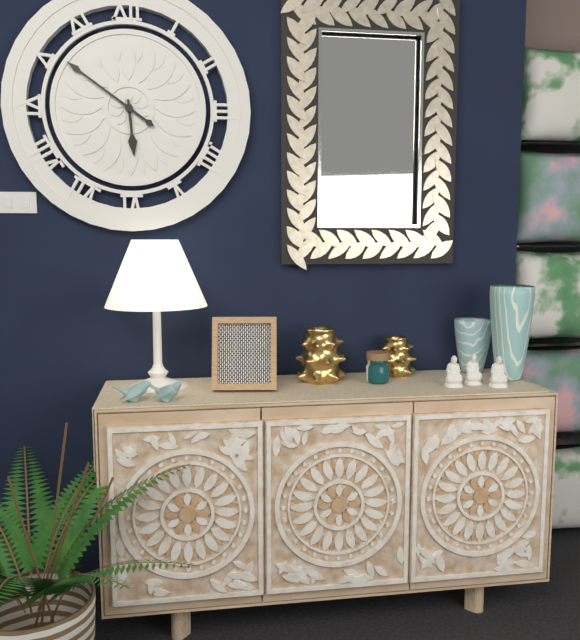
5:51
